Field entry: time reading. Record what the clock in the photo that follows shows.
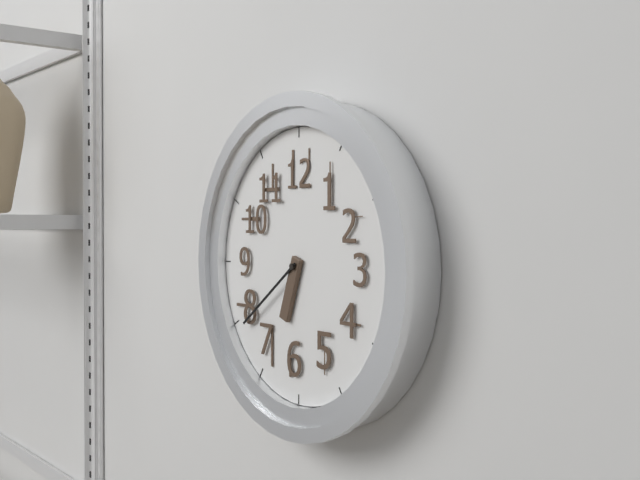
6:39
